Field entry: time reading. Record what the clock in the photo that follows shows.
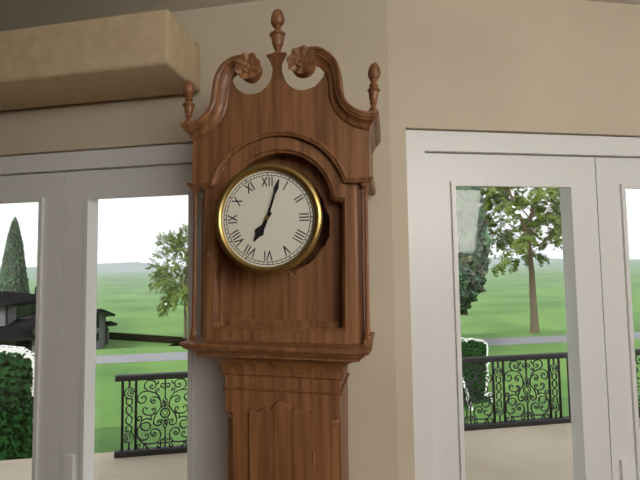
7:03
